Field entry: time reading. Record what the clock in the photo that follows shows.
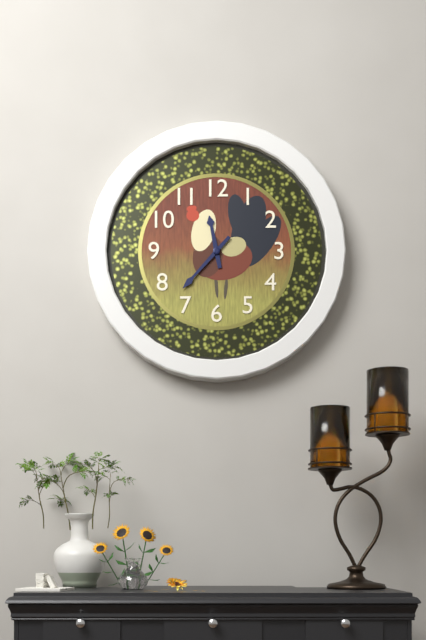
11:37
